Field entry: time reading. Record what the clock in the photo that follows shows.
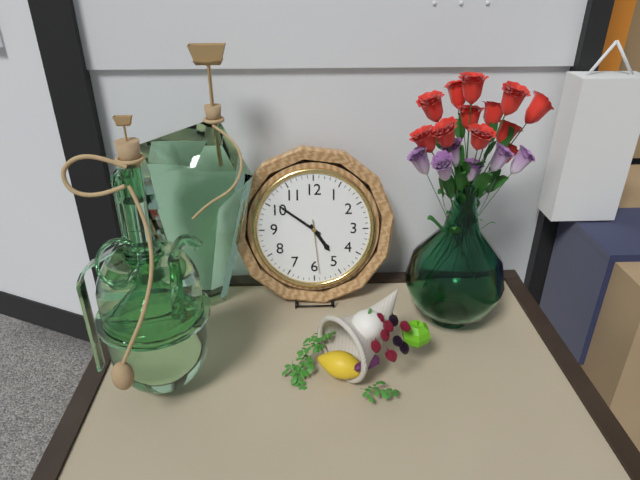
4:51:29
